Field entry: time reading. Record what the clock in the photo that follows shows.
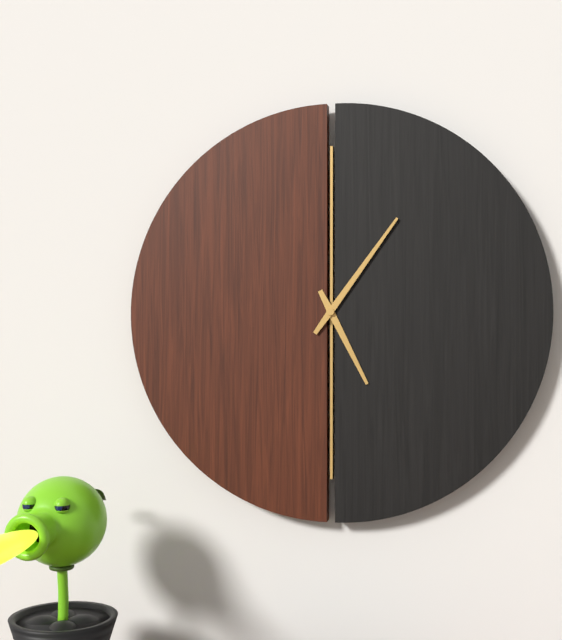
5:06
